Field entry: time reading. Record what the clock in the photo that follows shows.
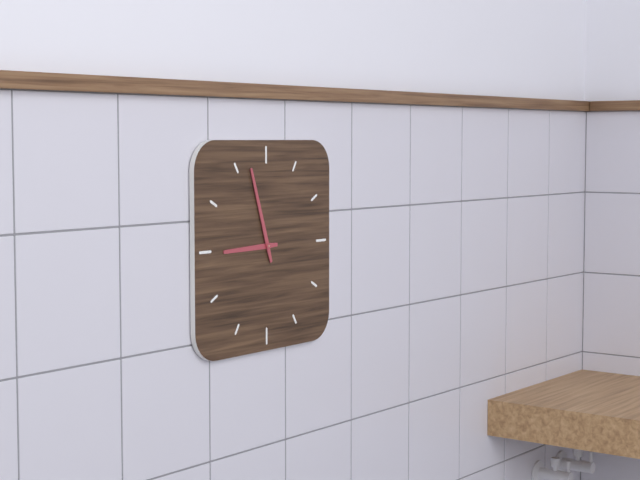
8:57
